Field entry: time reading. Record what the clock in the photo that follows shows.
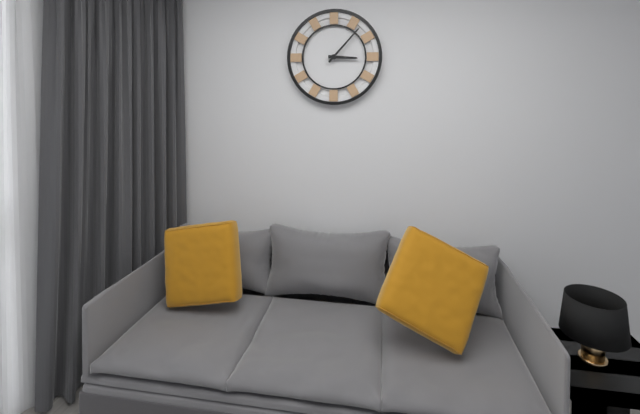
3:07
